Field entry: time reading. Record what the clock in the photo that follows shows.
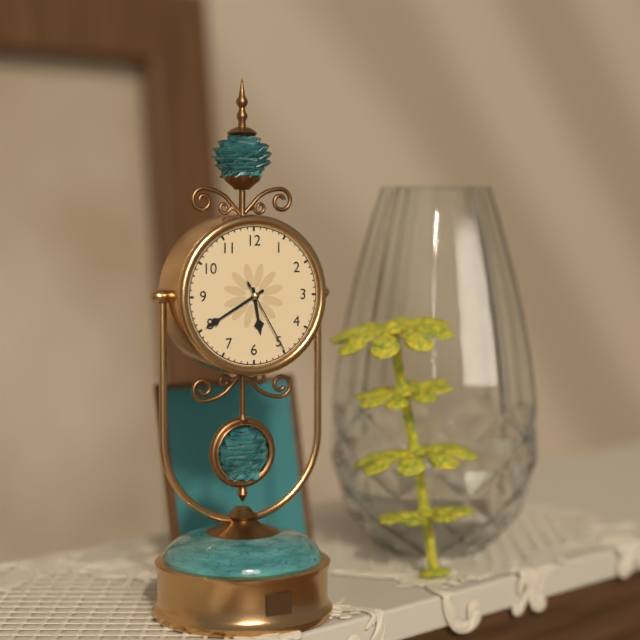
5:40:25
